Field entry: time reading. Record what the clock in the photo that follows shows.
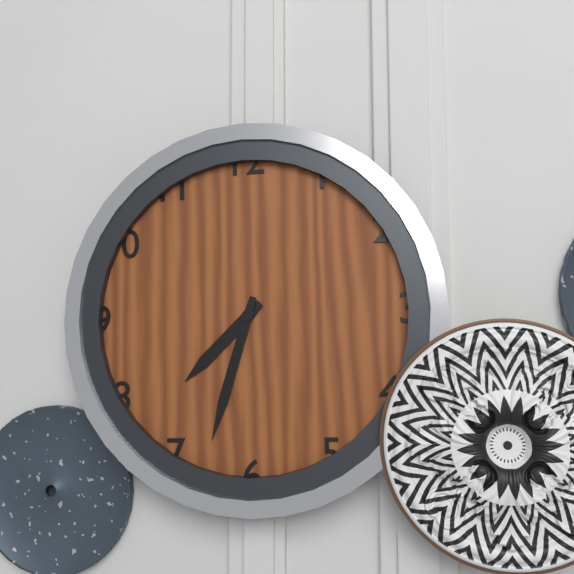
7:33
